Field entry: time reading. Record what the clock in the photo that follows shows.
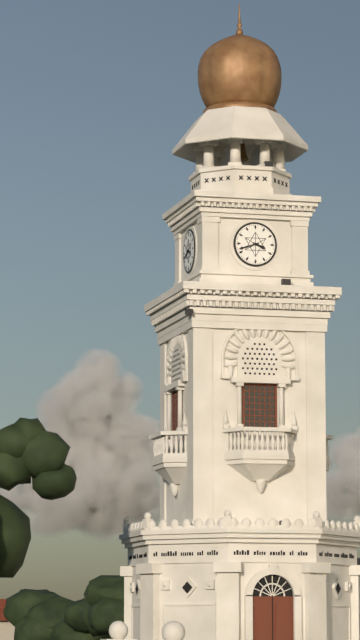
3:42
